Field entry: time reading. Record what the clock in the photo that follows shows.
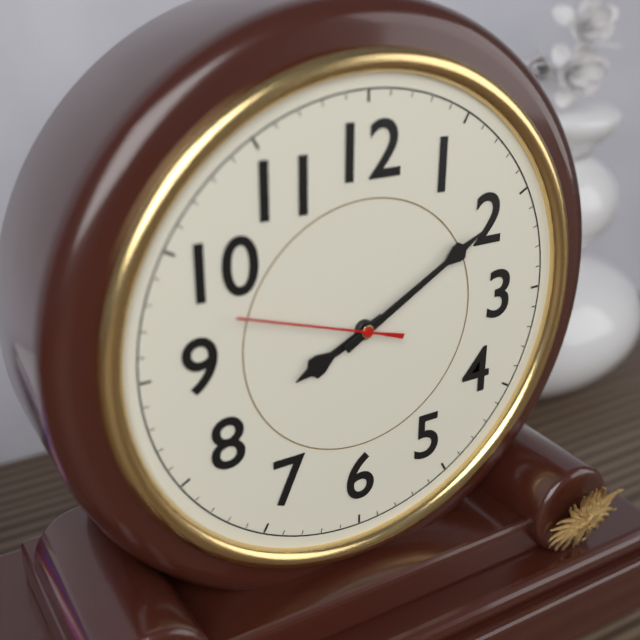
8:10:48
